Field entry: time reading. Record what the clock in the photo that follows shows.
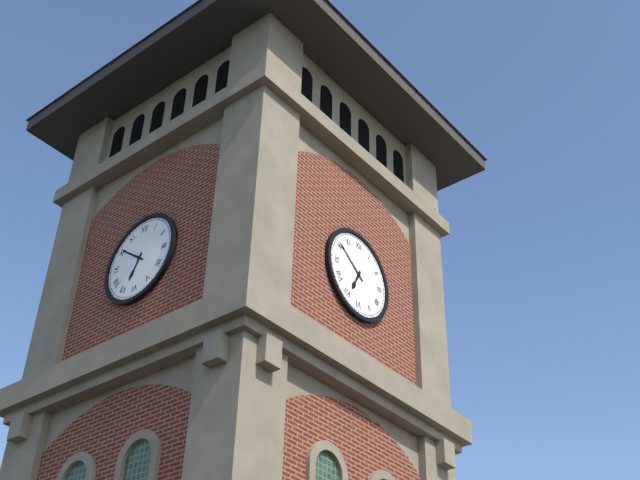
6:51
